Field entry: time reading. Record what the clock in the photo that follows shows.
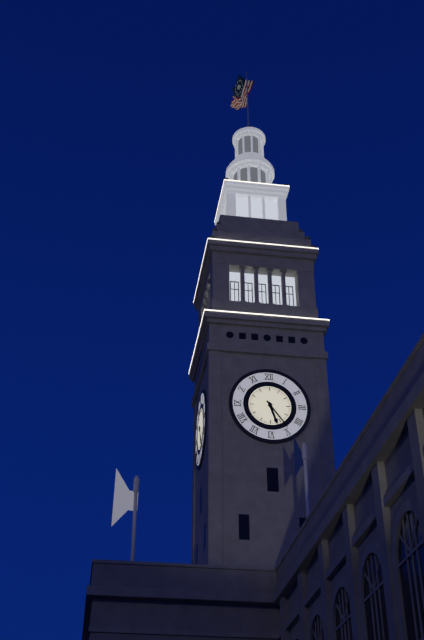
5:24
